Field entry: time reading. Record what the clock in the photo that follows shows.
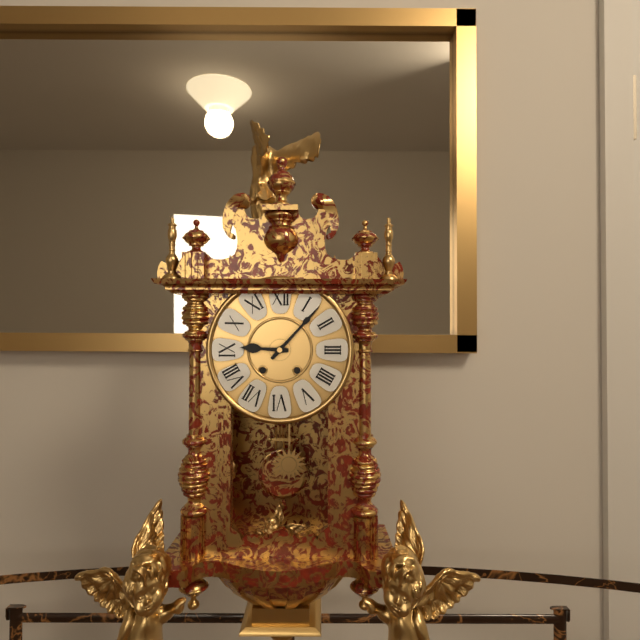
9:07
